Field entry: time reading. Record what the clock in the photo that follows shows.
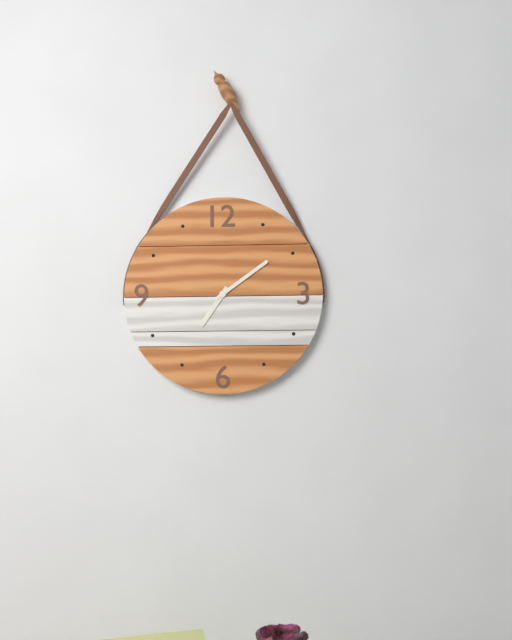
7:09
